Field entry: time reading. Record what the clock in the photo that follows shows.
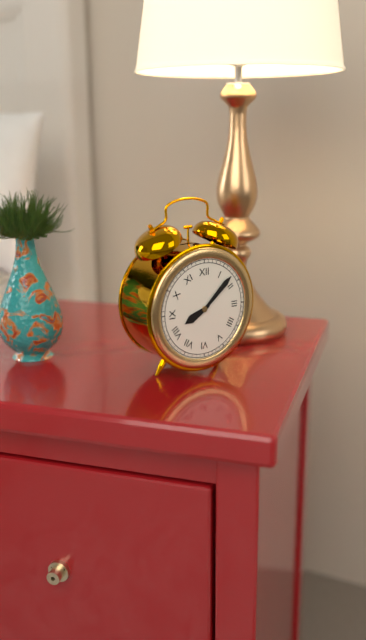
8:08
